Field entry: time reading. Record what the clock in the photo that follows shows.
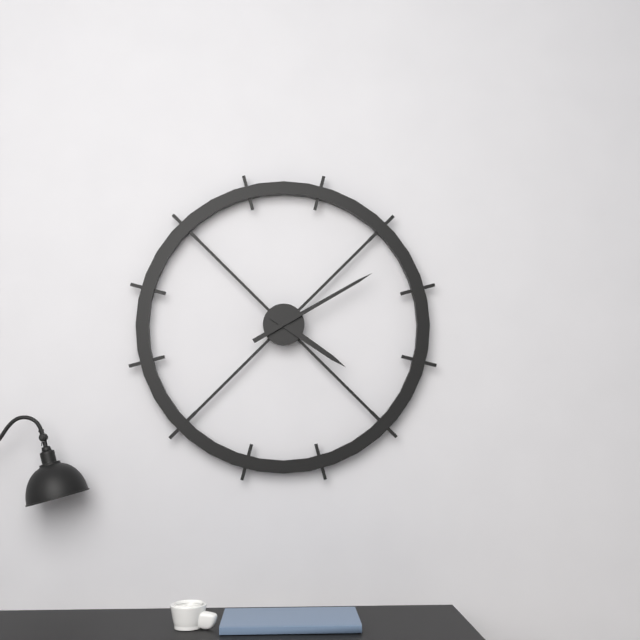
4:10
